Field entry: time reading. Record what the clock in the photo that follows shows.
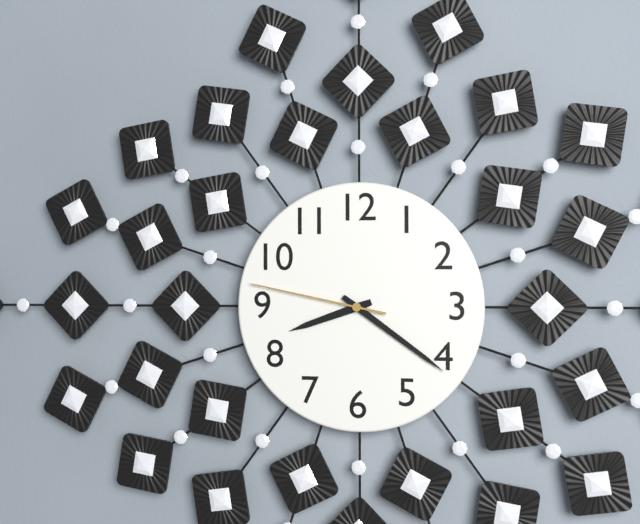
8:21:47
